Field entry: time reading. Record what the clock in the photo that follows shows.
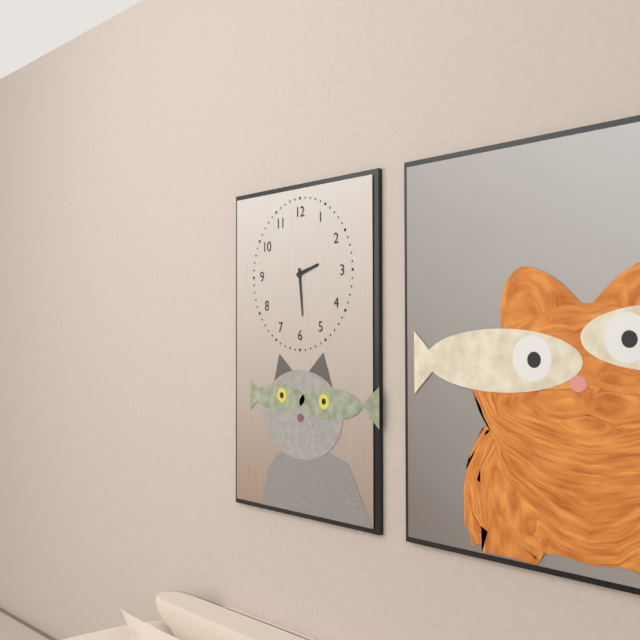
2:29
